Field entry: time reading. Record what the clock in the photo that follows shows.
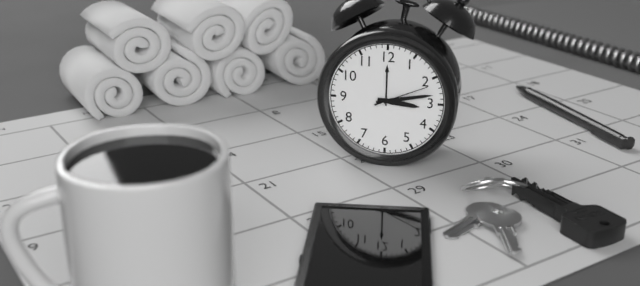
3:13:11
